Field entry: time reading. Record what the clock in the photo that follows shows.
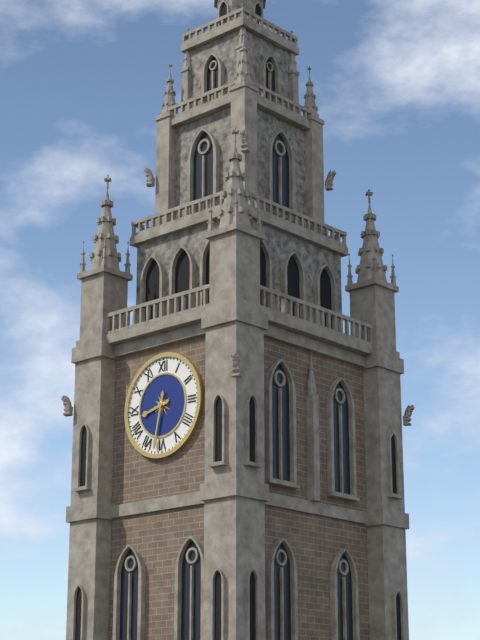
8:32
